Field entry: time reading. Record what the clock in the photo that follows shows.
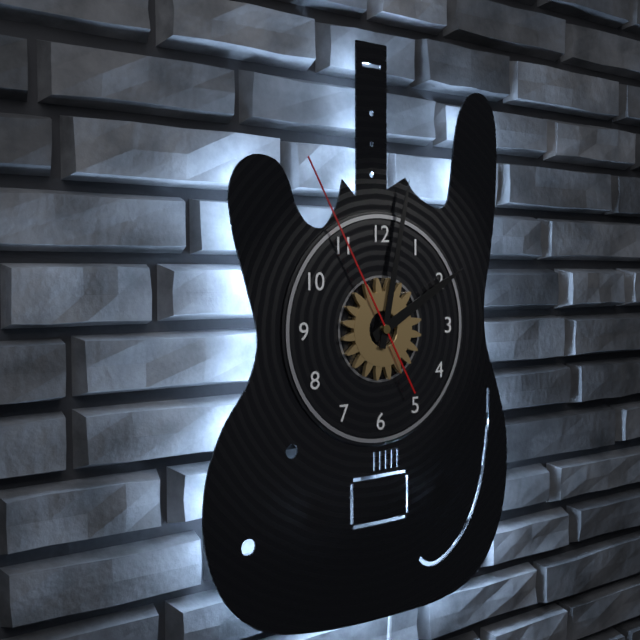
2:02:55
